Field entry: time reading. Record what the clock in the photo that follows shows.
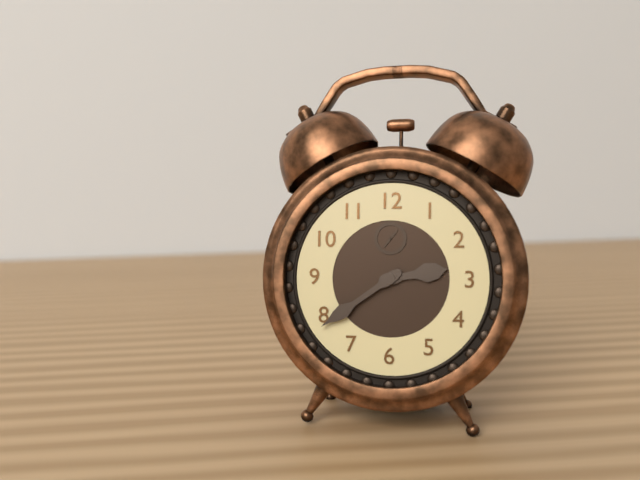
2:39
